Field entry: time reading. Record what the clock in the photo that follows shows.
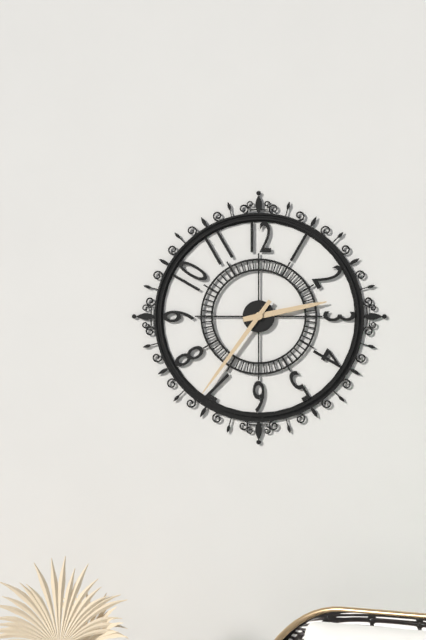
2:36
